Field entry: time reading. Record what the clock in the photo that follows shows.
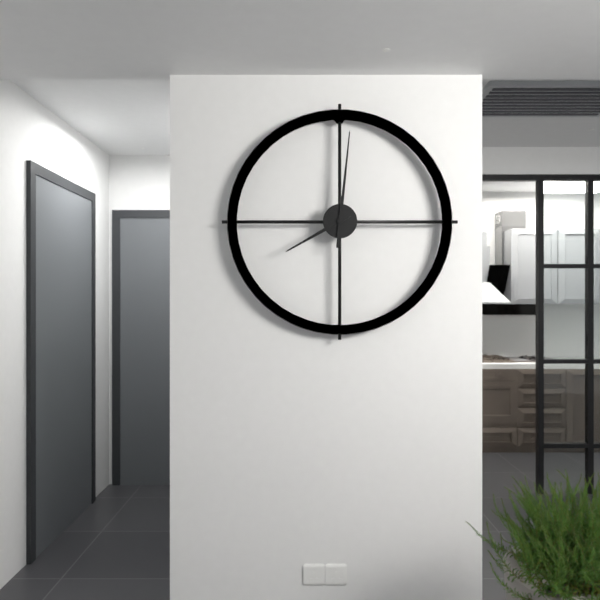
8:01
